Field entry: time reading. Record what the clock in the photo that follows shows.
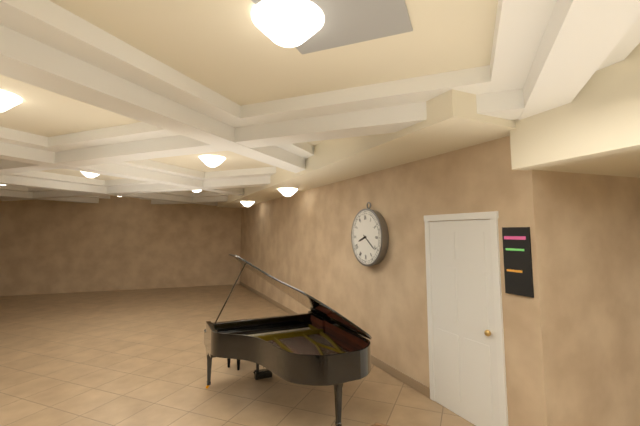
8:21
